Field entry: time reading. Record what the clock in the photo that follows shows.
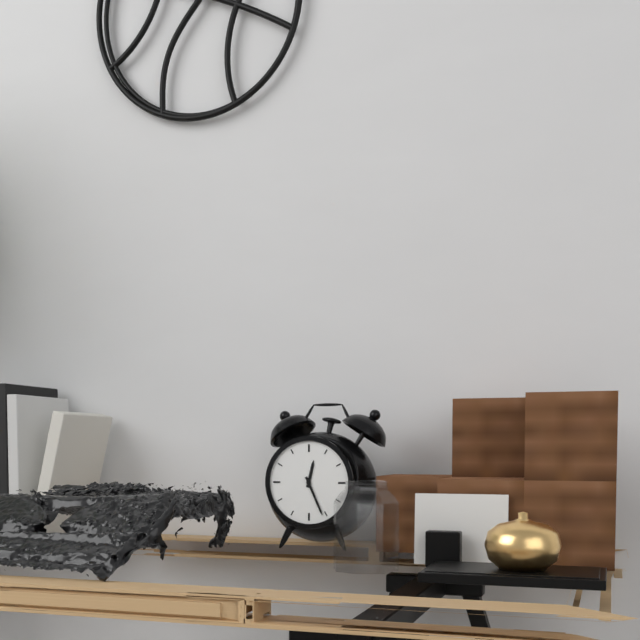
12:26
